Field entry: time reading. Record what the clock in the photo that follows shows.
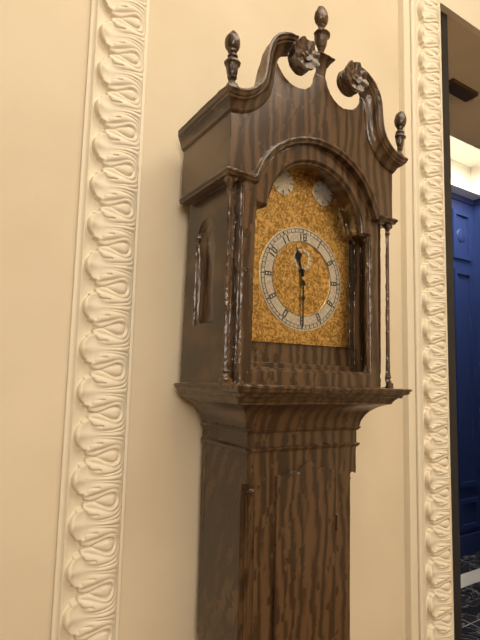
11:30
